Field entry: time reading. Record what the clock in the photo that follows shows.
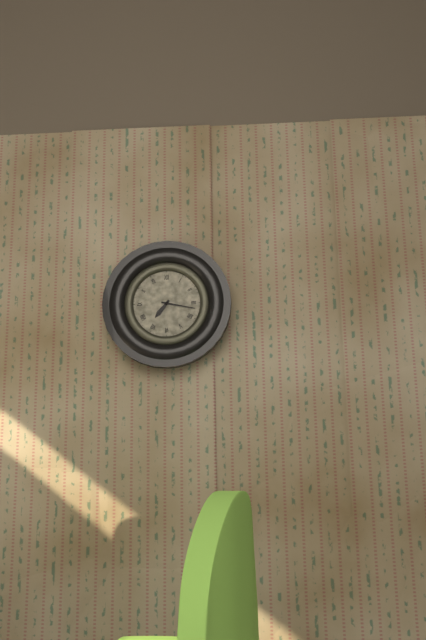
7:17
